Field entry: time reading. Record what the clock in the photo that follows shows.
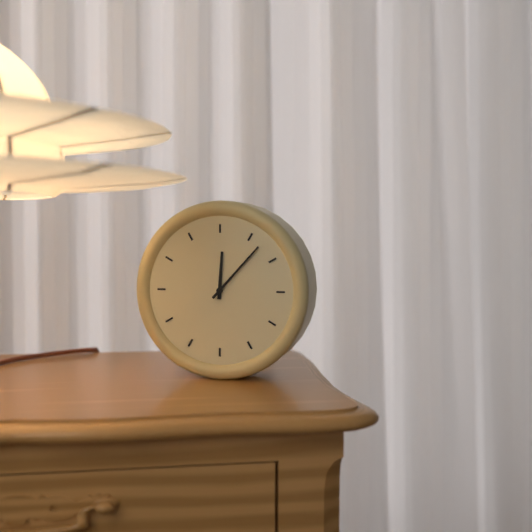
12:07
